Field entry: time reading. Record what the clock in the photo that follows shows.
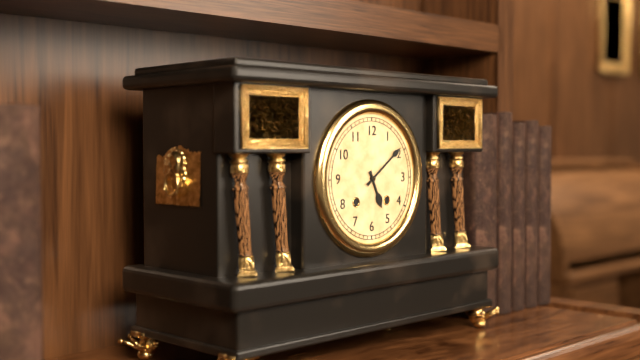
5:09
